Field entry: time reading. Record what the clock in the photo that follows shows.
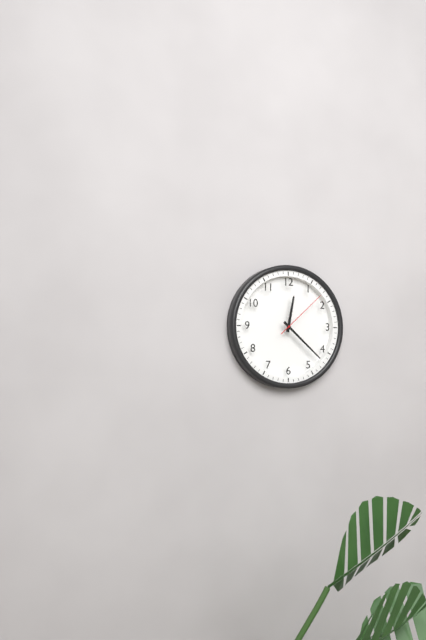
12:22:08
